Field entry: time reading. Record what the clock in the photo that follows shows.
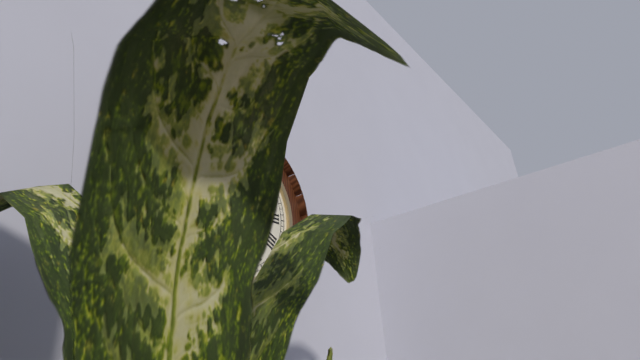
11:42
